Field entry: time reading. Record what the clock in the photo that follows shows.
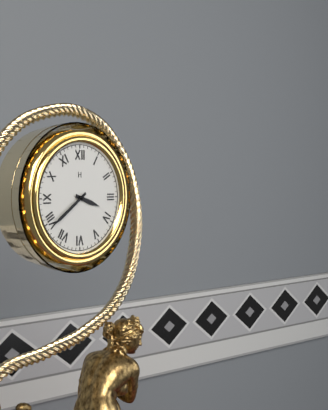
3:39
